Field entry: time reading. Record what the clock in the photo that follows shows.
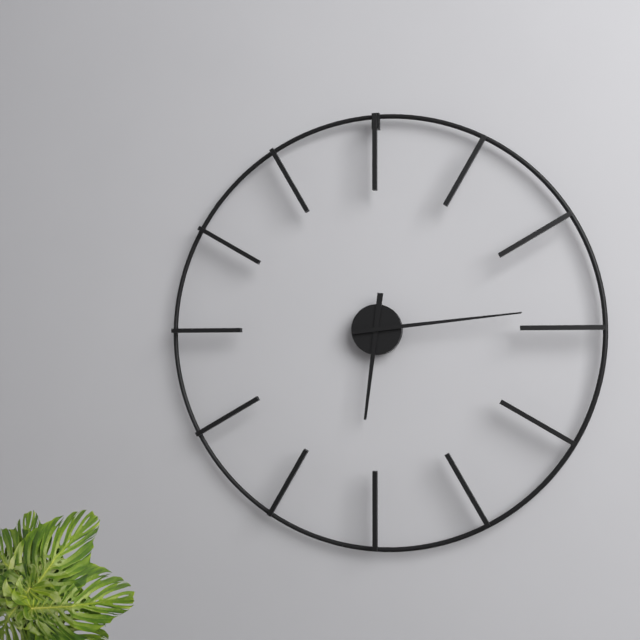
6:14
